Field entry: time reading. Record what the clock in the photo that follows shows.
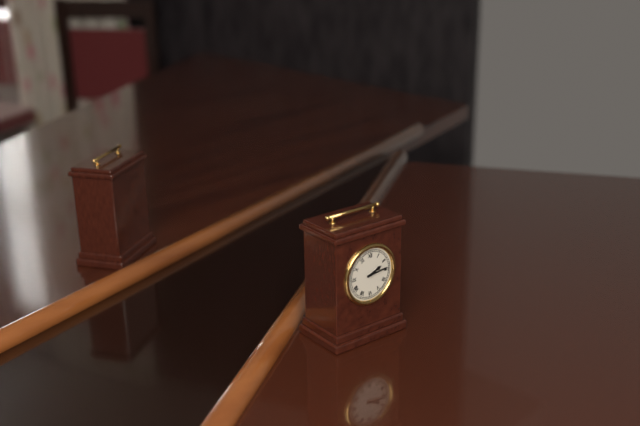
2:14
